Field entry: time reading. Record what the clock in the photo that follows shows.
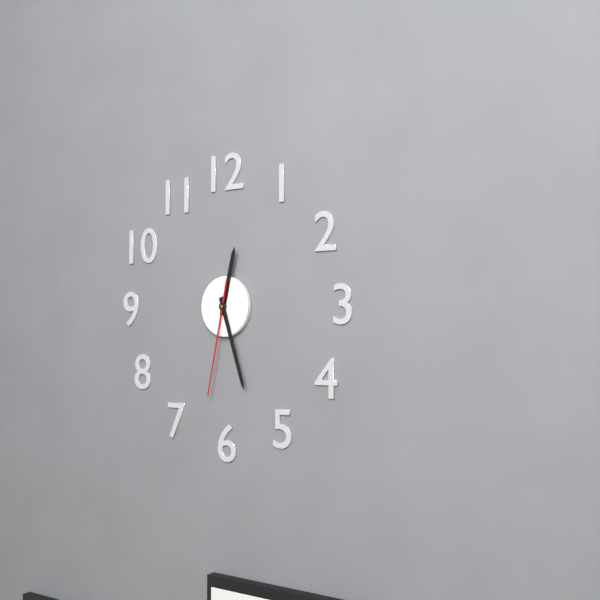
12:27:32
